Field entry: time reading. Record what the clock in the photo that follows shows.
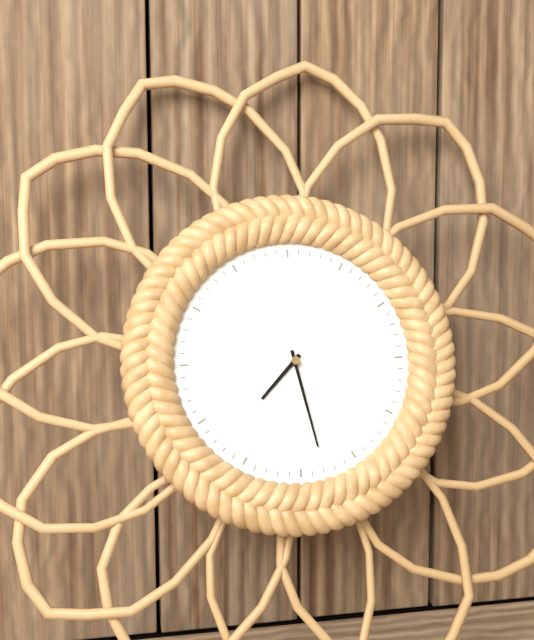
7:28
